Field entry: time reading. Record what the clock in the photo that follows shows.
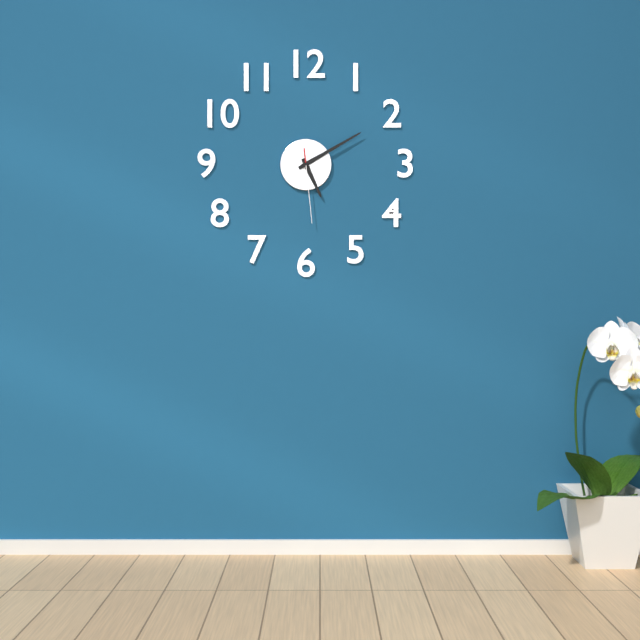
5:10:29
